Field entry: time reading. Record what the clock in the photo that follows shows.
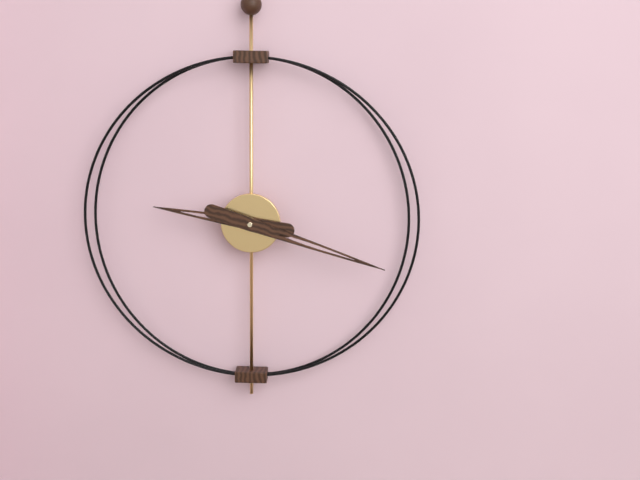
9:18
